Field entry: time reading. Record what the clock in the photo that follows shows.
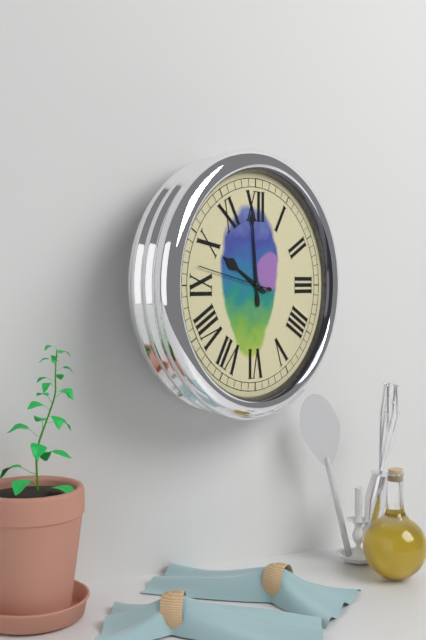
9:59
